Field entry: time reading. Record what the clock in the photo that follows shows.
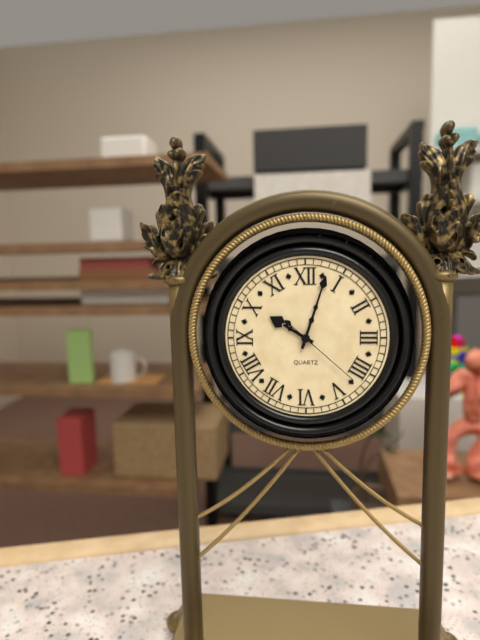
10:03:22
